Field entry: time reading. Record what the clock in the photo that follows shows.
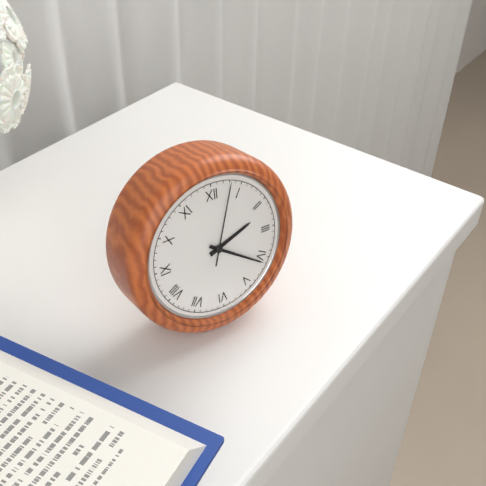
2:21:03
